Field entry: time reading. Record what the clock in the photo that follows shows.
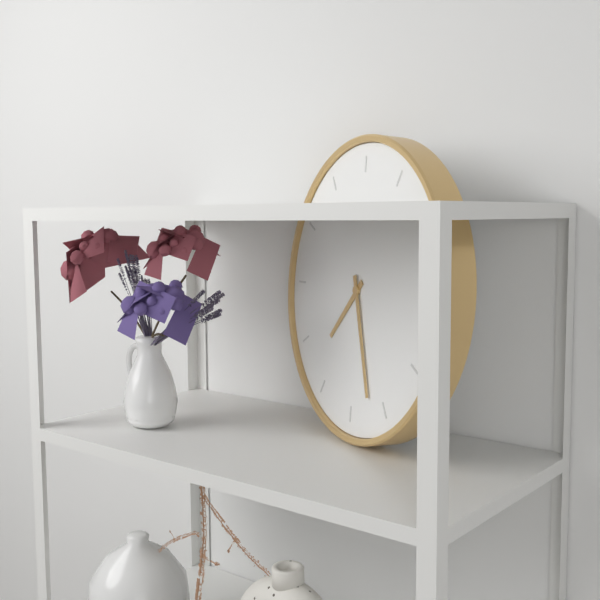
7:27
